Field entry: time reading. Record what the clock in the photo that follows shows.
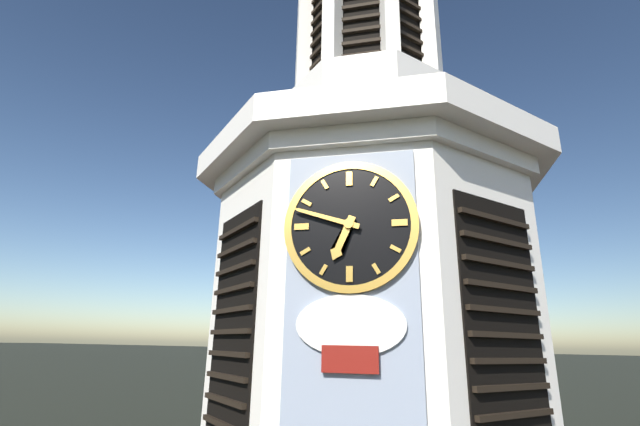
6:48
